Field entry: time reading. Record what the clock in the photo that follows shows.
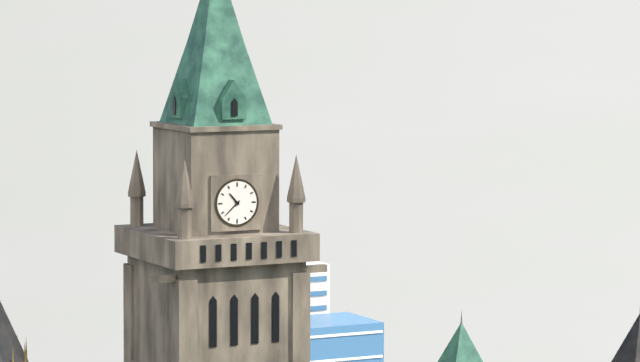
10:38
